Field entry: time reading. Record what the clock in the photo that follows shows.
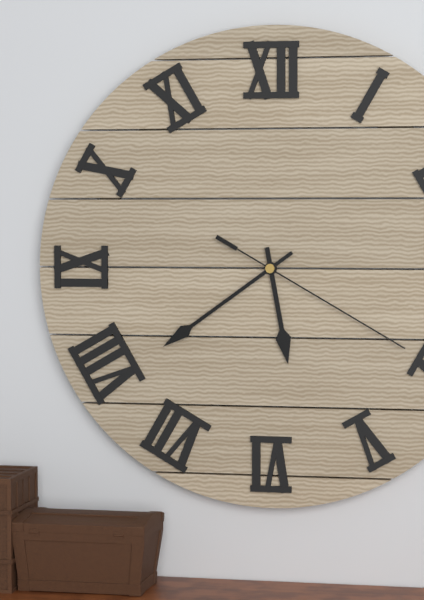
5:39:20
